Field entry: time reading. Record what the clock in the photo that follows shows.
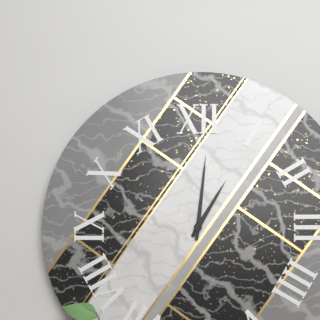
1:01
